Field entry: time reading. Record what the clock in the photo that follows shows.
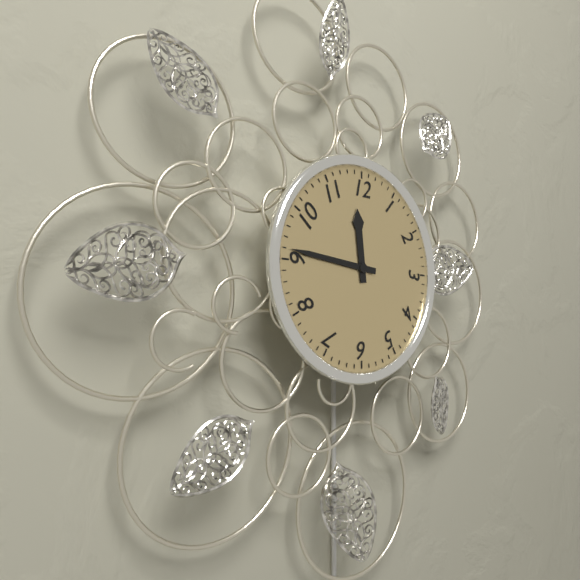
11:46
